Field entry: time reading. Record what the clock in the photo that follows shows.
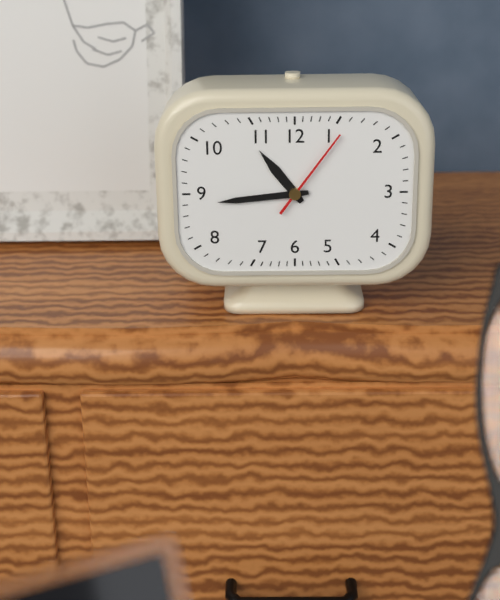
10:44:06
